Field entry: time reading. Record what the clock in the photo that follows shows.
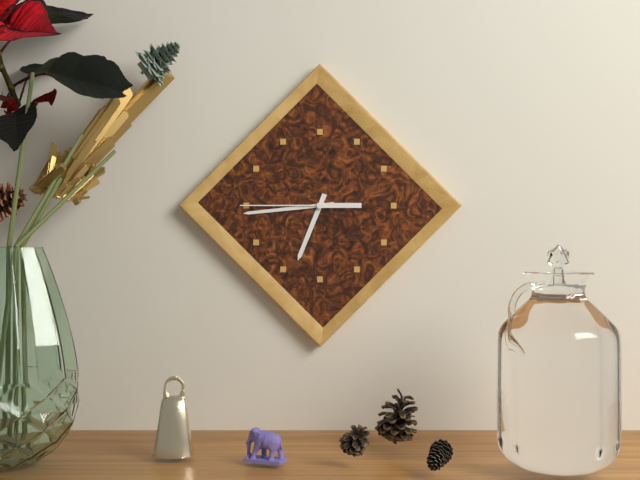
6:44:45
